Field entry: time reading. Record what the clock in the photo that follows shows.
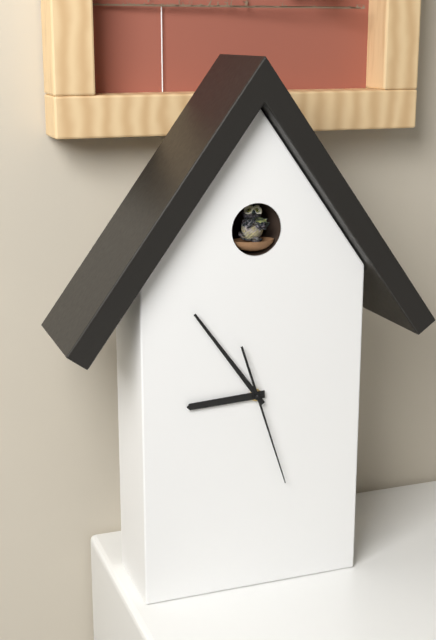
8:54:27
